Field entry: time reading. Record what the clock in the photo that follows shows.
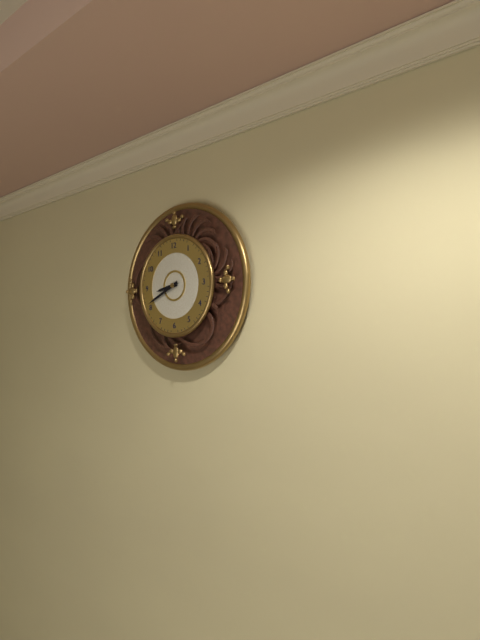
8:41
